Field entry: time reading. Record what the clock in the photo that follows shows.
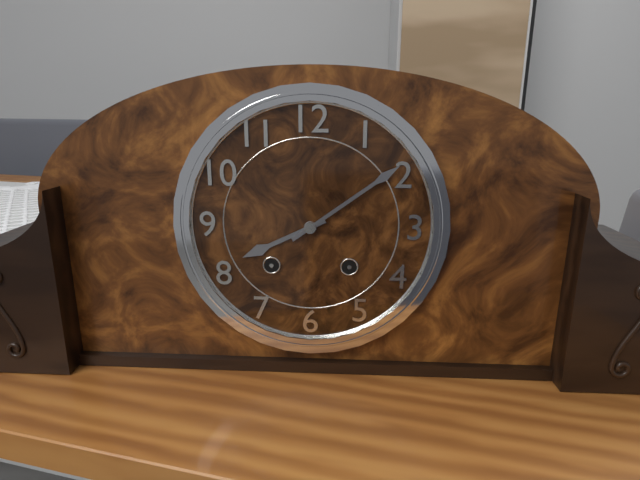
8:09
